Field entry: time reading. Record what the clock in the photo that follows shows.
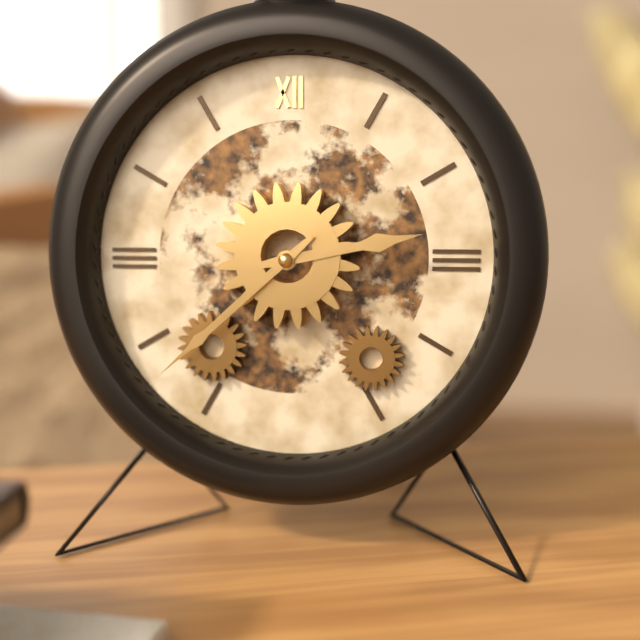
2:38
